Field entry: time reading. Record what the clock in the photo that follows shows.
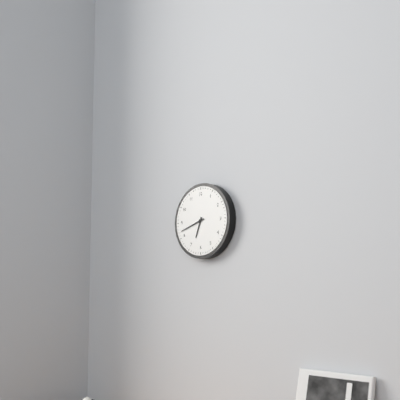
6:42
